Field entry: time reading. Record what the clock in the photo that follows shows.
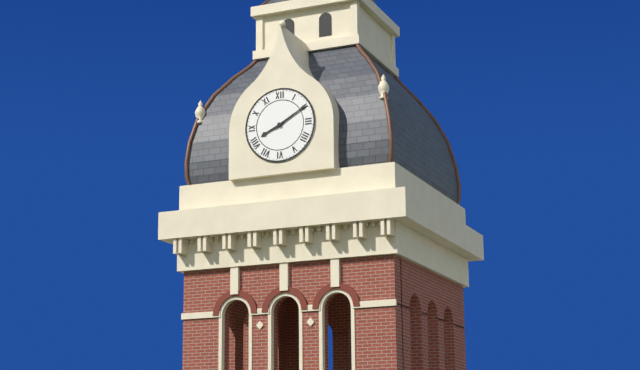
8:10
